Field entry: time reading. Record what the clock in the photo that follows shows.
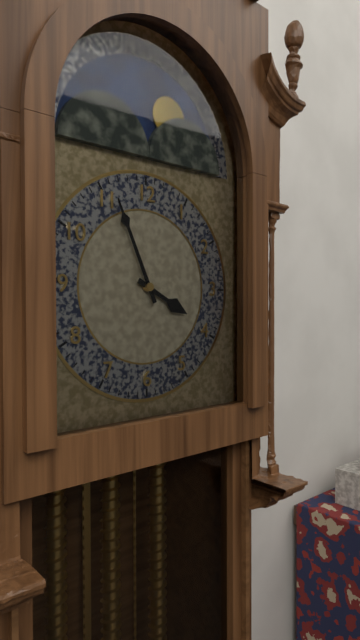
3:56
